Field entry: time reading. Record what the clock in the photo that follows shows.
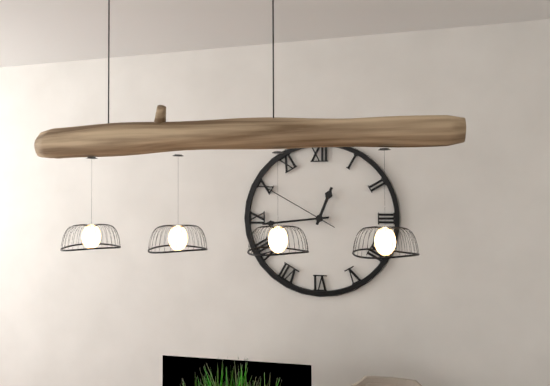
12:44:50
